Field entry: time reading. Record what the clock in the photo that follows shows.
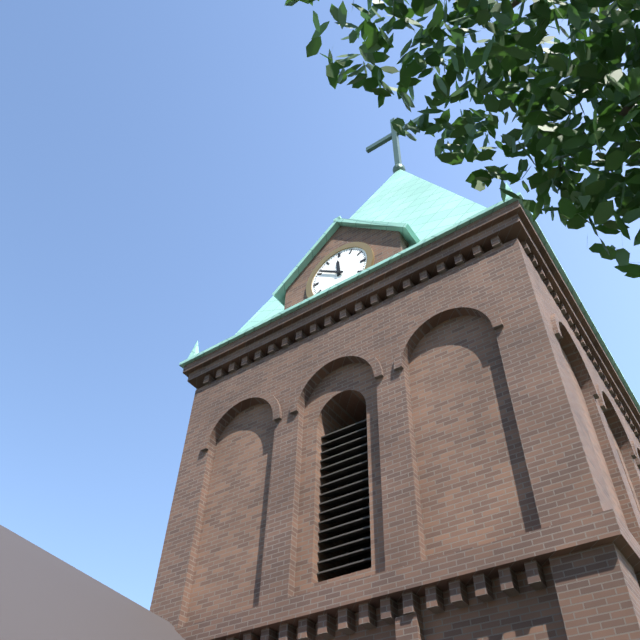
11:51
